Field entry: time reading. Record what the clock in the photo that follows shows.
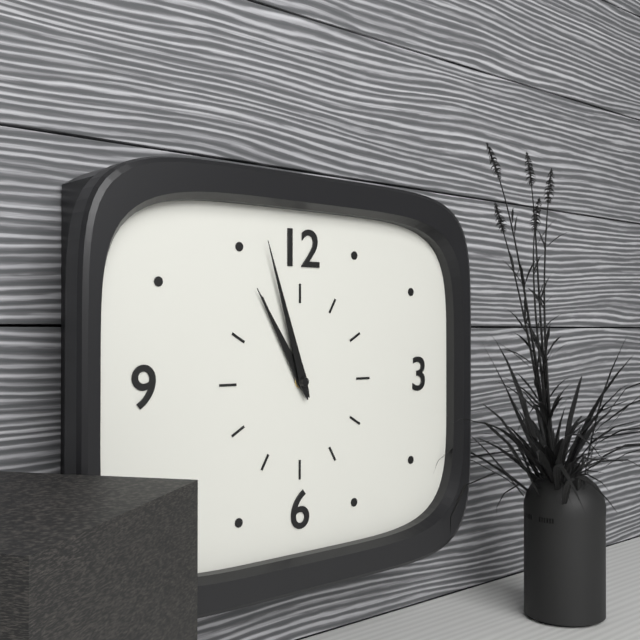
10:57
